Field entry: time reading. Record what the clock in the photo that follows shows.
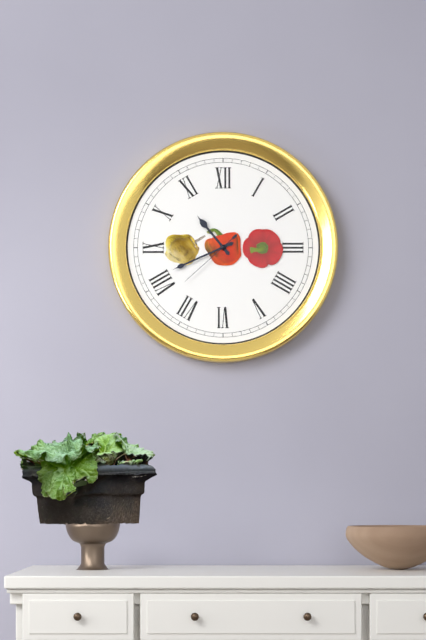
10:41:38
